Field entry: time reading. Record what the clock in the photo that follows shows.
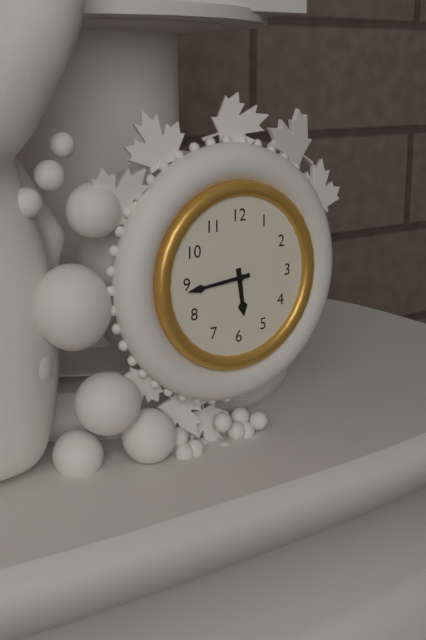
5:44
